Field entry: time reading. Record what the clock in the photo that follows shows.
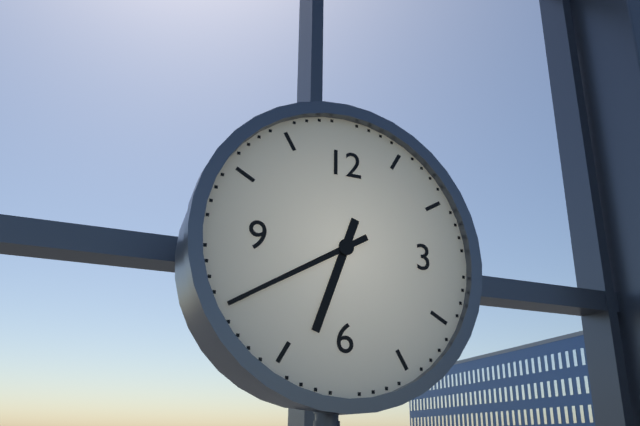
6:40
